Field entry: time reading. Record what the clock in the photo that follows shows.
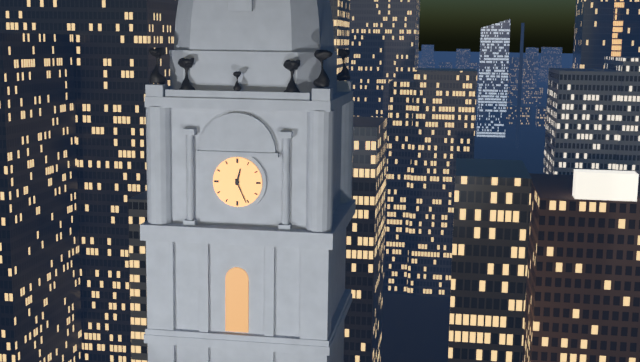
12:26
